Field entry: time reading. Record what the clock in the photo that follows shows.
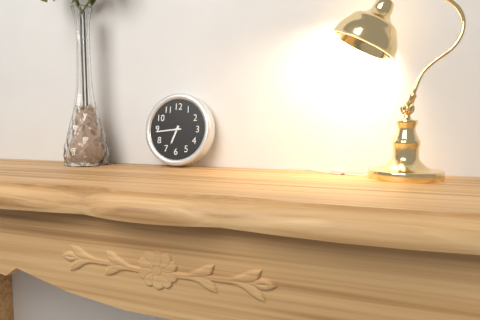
6:44
